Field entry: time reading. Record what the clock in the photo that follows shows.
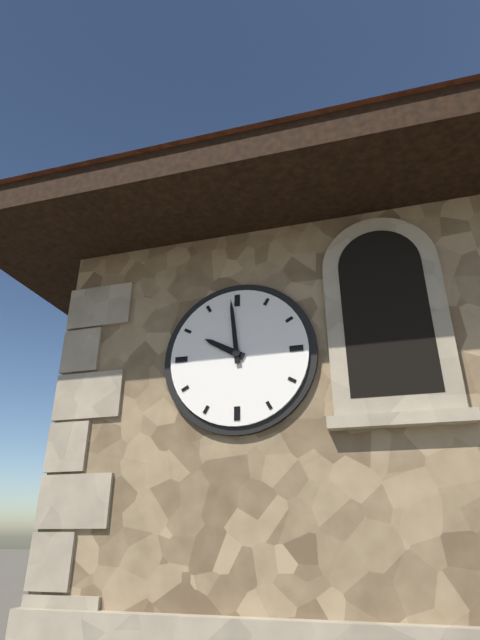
9:59
